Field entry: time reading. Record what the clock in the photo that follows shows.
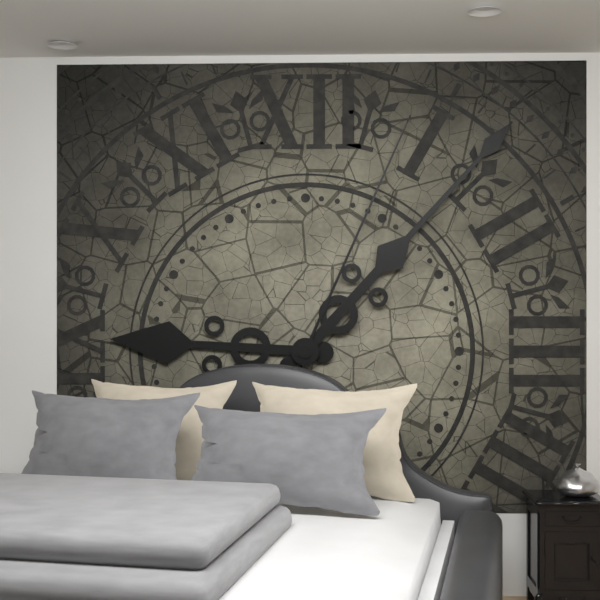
9:07:04
